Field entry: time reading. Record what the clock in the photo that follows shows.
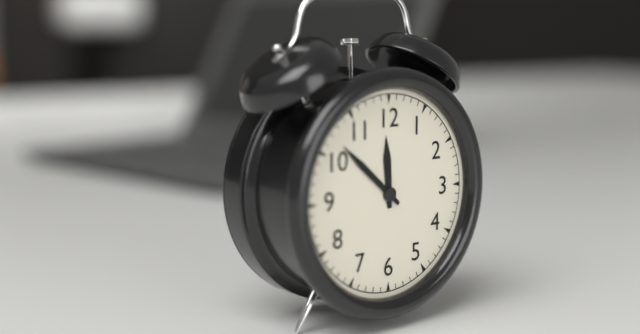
11:52
